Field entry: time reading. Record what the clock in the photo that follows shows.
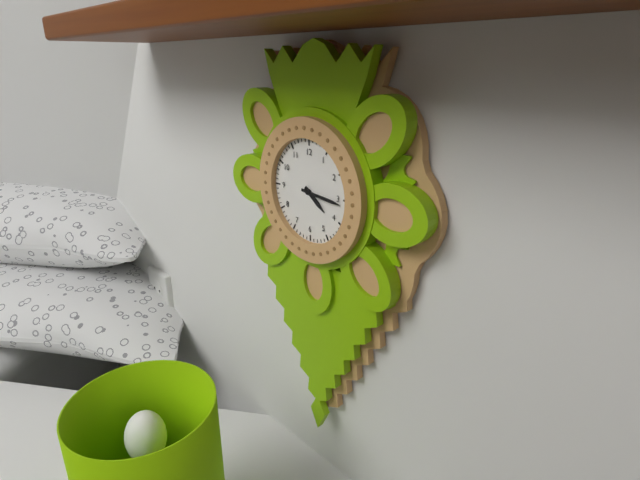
4:16
